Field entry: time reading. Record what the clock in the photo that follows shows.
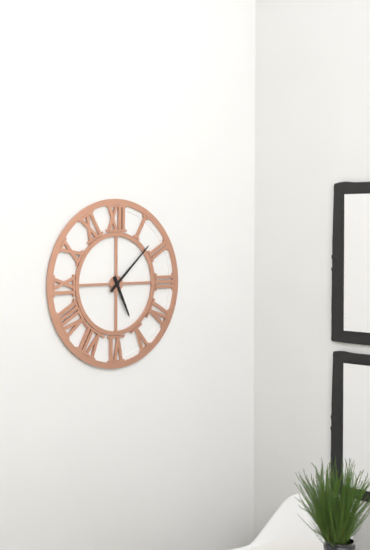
5:08
